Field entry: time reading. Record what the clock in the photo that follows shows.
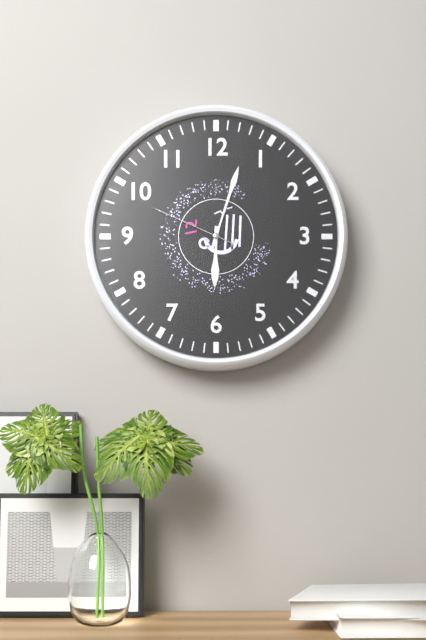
6:03:49
